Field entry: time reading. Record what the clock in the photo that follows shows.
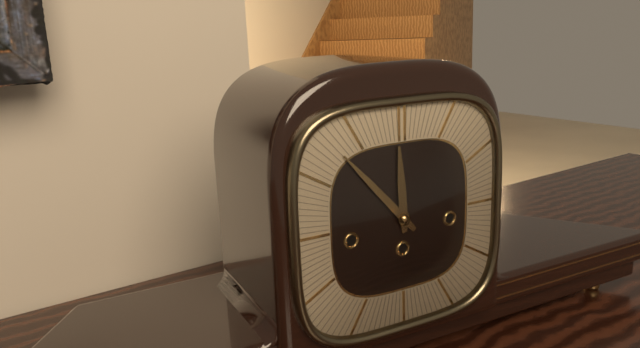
11:53
